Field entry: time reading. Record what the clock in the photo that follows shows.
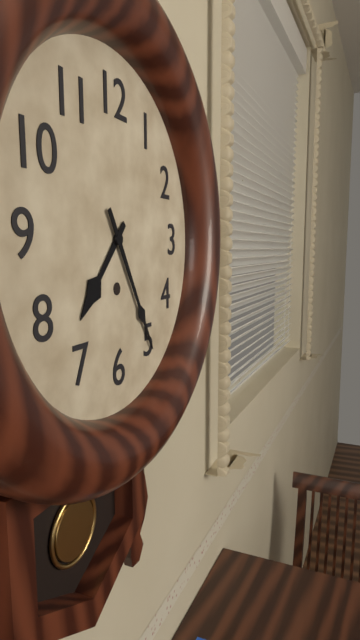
7:25
